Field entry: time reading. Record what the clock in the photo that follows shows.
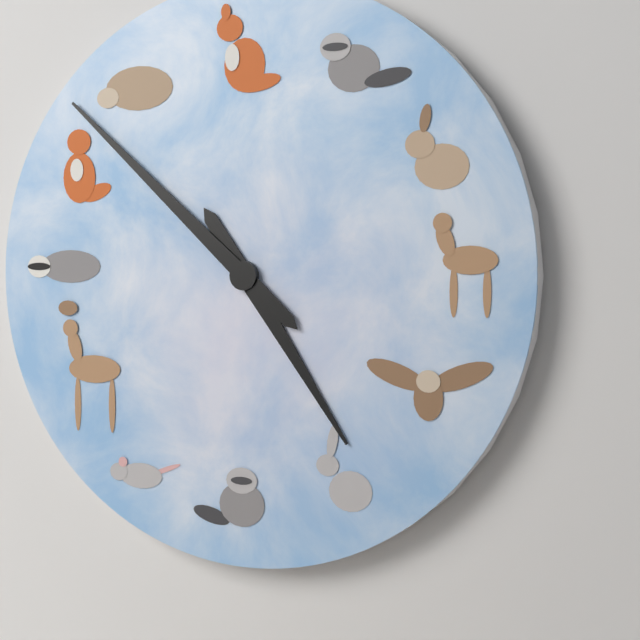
4:52
